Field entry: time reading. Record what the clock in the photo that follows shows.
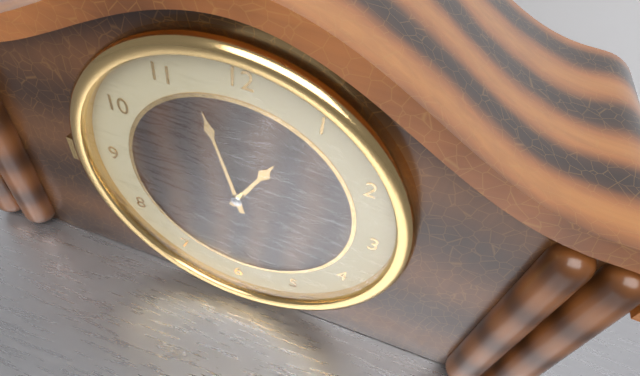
12:57
